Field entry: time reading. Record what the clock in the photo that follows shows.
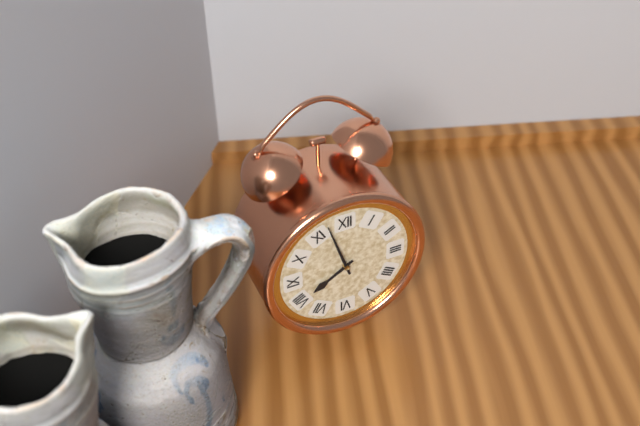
7:57
